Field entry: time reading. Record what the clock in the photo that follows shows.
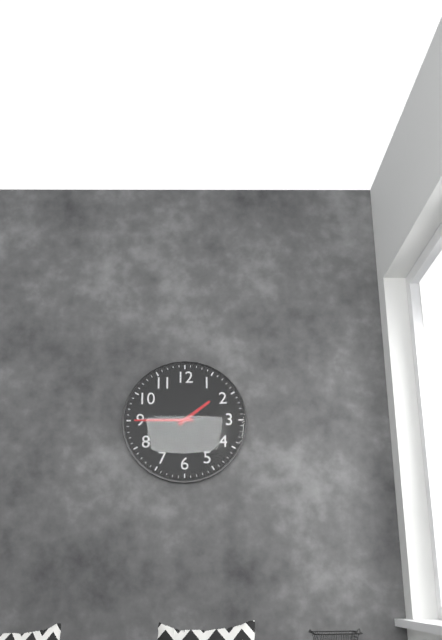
1:45
